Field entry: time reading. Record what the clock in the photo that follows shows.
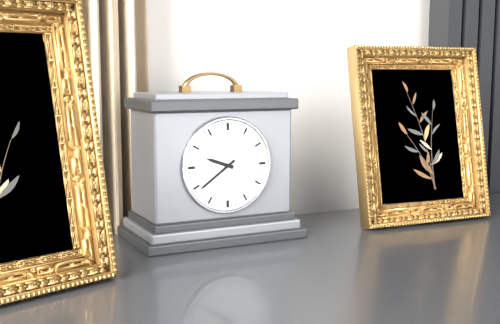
9:39
